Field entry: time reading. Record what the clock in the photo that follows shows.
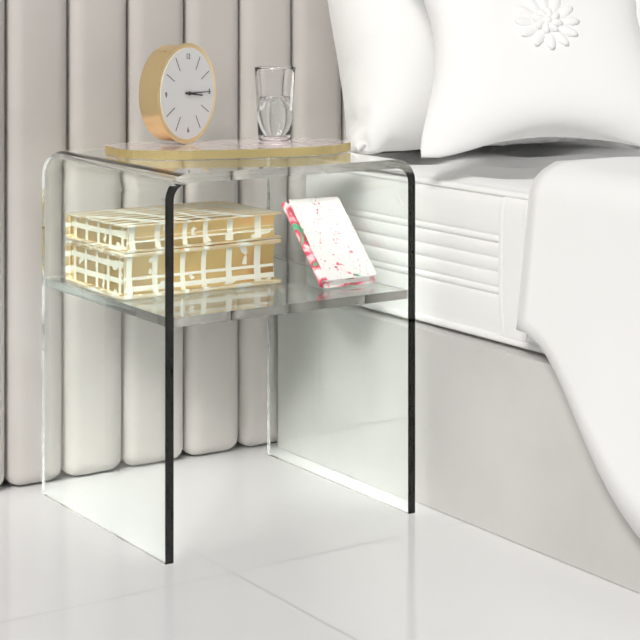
3:15
